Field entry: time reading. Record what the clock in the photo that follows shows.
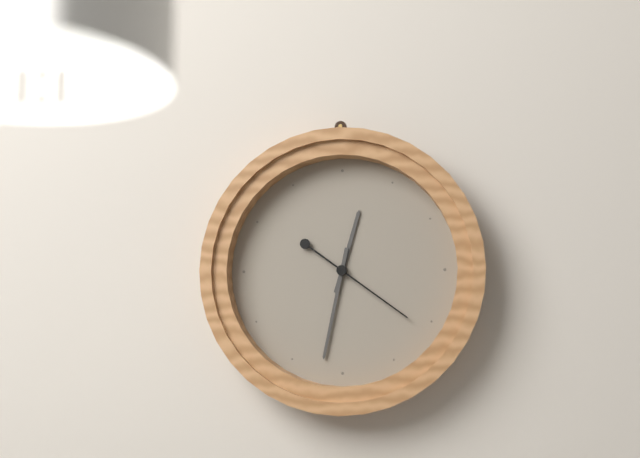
12:32:21
